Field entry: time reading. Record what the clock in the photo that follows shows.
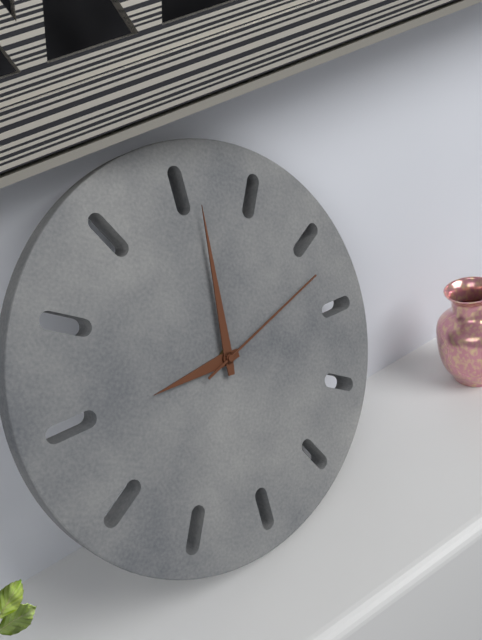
7:56:07
